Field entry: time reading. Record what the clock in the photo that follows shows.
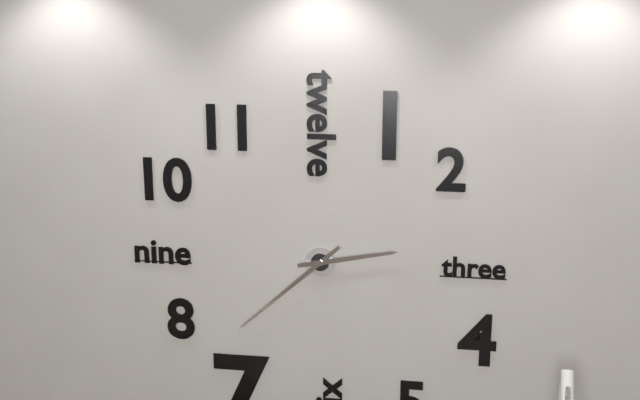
2:38
